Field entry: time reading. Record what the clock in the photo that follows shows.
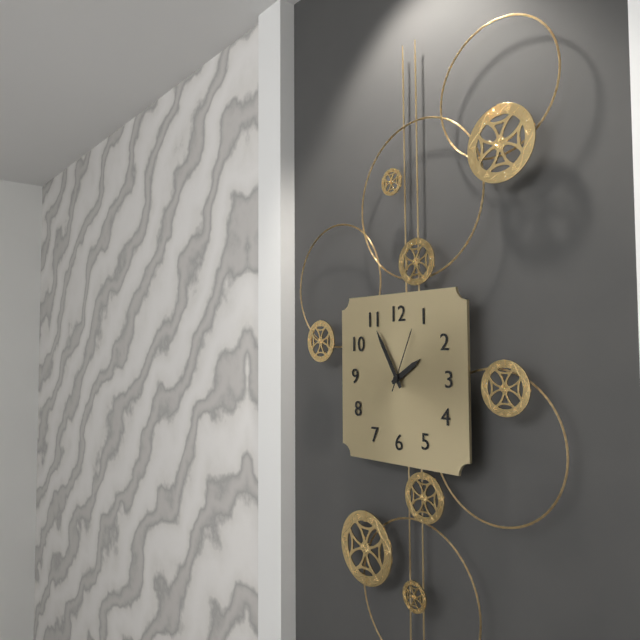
1:55:04
